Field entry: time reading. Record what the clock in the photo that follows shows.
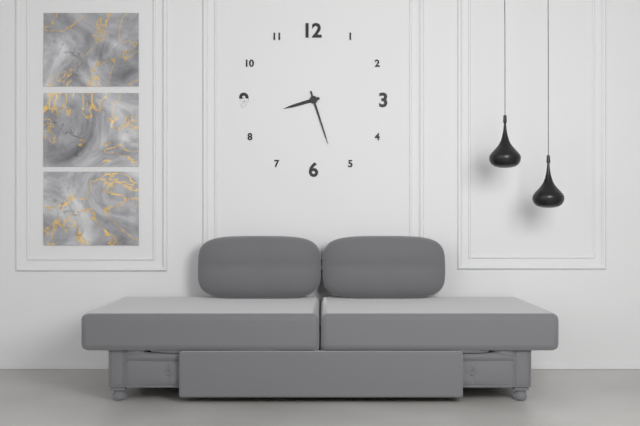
8:27
